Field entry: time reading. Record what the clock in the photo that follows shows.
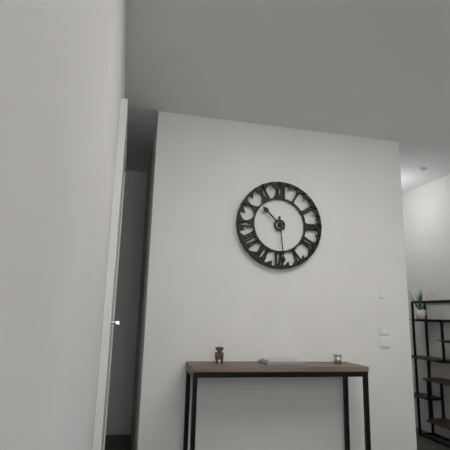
10:29
